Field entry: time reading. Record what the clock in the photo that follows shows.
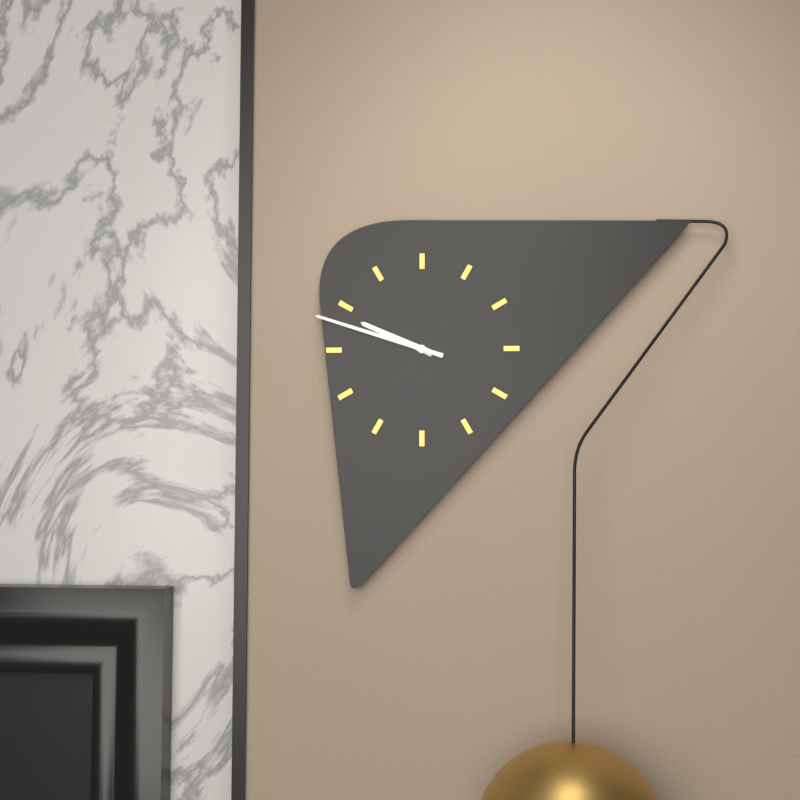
9:48
